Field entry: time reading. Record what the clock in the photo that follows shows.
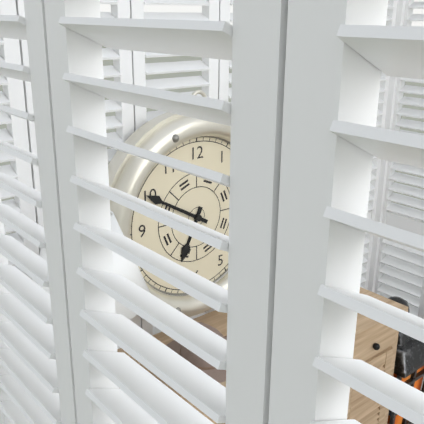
6:50
